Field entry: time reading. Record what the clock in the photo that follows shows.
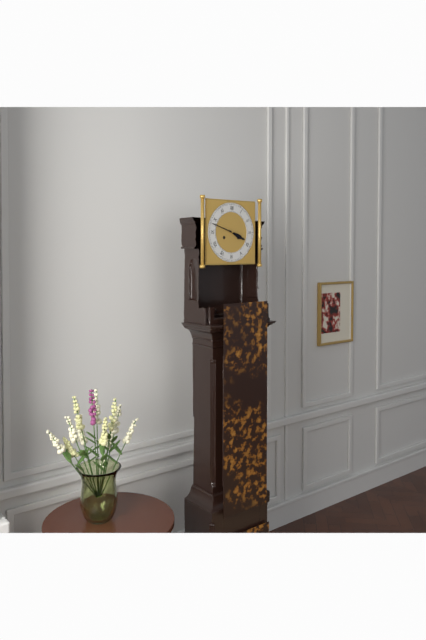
3:48
